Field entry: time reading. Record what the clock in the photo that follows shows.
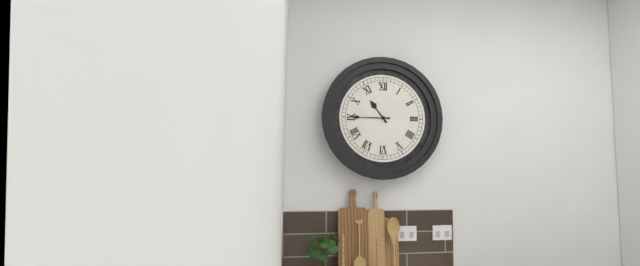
10:45
